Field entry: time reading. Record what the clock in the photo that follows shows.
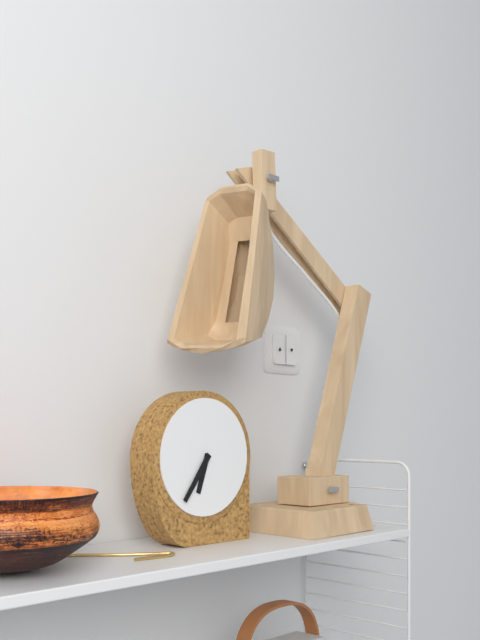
6:36
